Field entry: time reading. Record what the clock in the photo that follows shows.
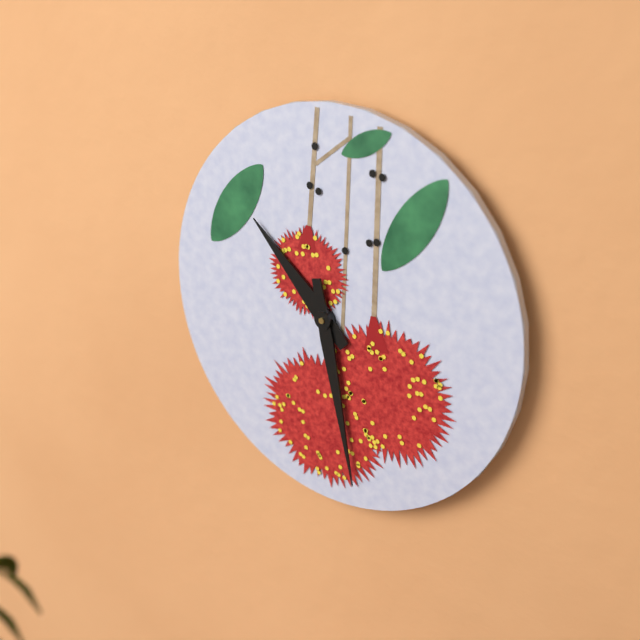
10:28
